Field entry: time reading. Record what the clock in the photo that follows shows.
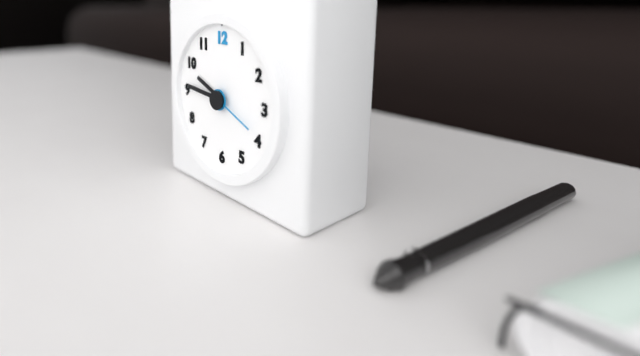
9:46:19
